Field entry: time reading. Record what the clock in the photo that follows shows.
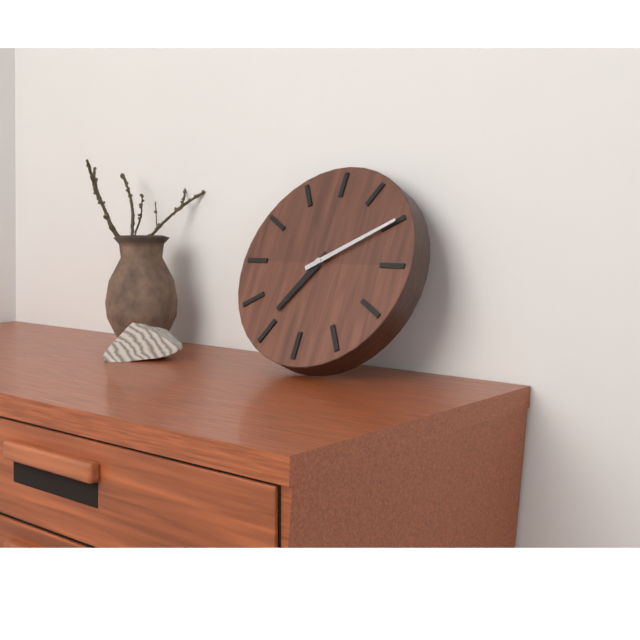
7:10
